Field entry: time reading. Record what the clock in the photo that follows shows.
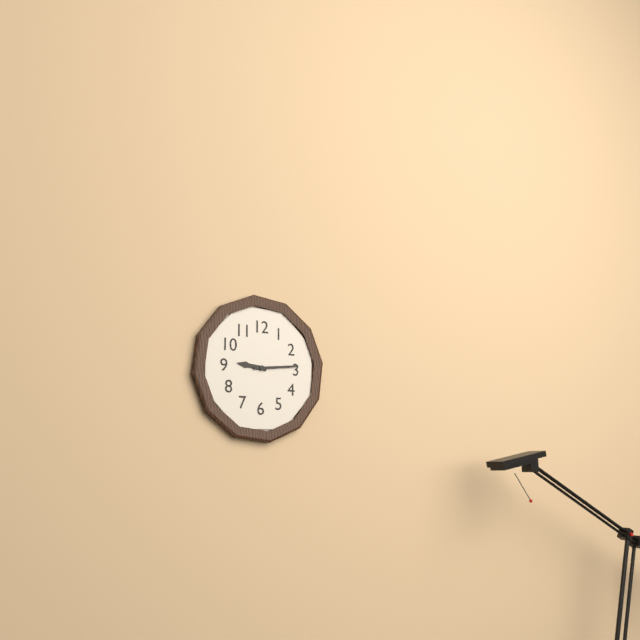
9:14
